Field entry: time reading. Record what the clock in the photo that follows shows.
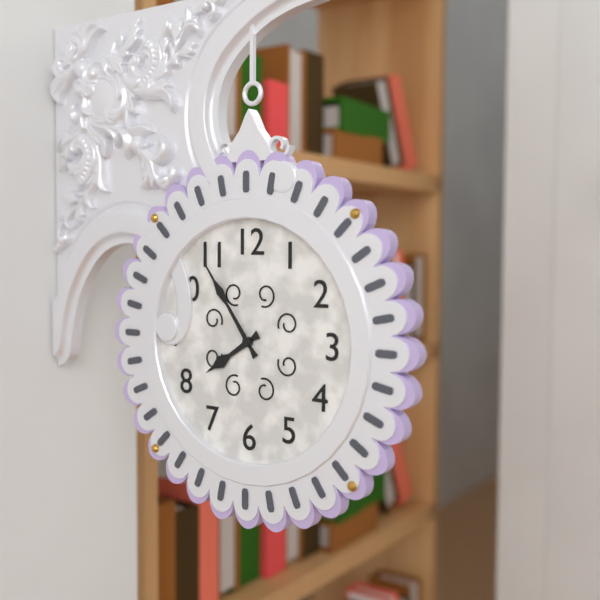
7:54
